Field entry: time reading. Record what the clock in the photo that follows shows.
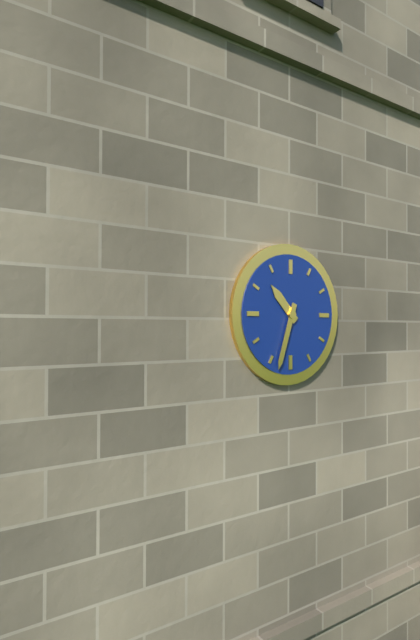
10:33
